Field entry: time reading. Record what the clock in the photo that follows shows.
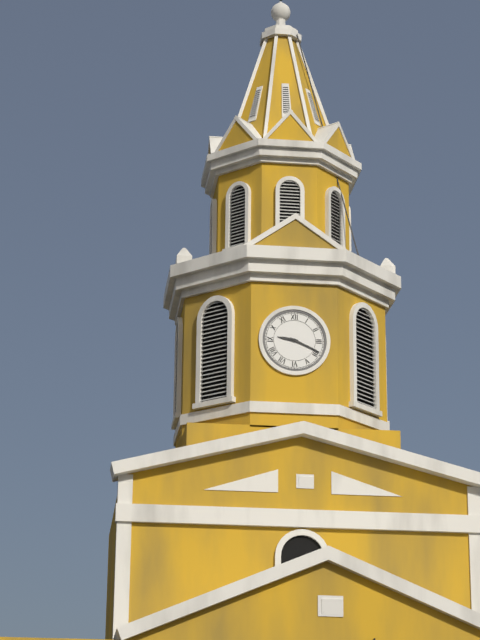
9:19
